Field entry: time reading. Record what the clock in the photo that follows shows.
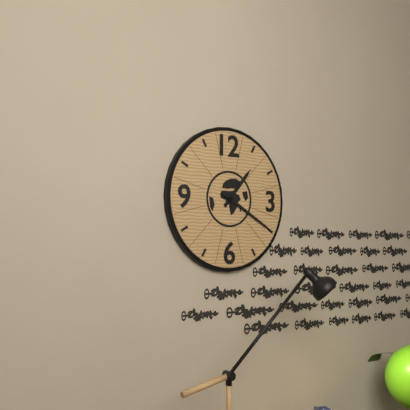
1:20
